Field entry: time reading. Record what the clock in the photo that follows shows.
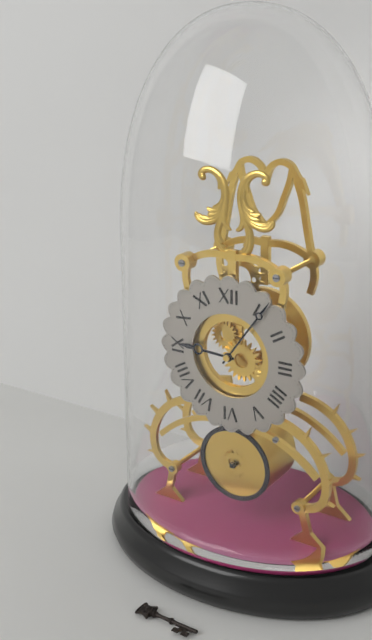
9:06
